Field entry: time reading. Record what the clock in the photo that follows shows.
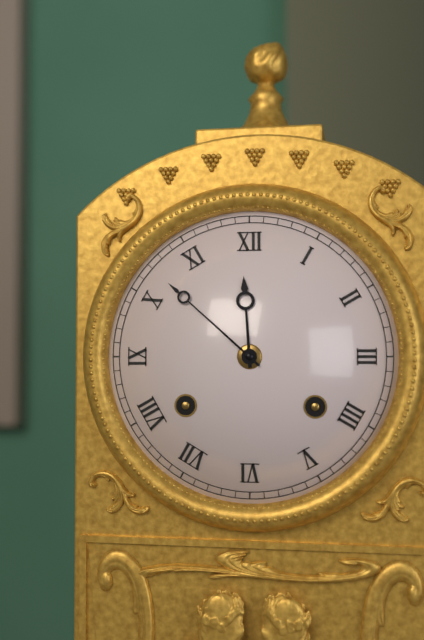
11:52
